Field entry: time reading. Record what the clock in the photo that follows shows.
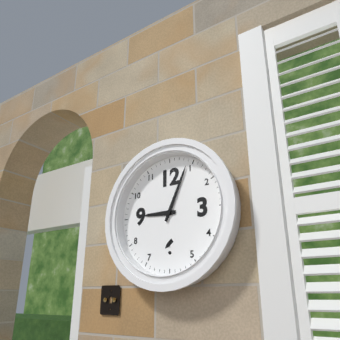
9:04
